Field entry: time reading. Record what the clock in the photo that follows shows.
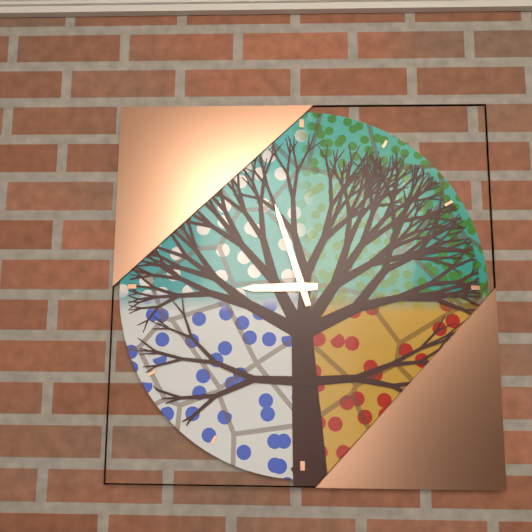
8:57
